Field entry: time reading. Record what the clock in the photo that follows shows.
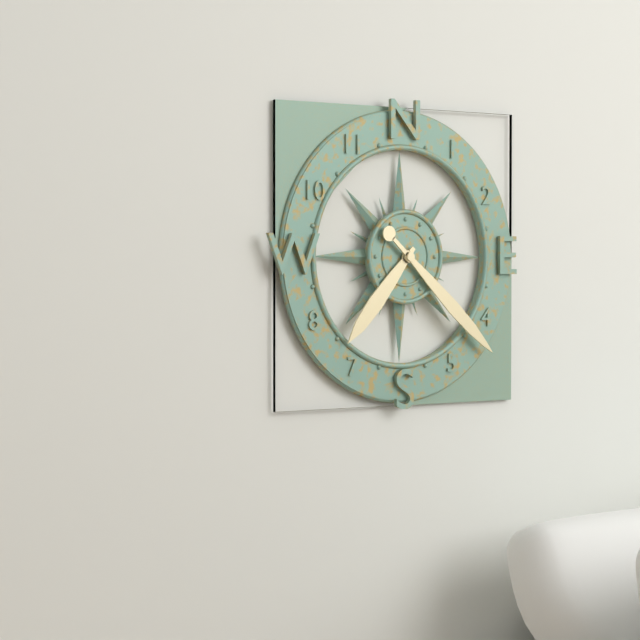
7:22
